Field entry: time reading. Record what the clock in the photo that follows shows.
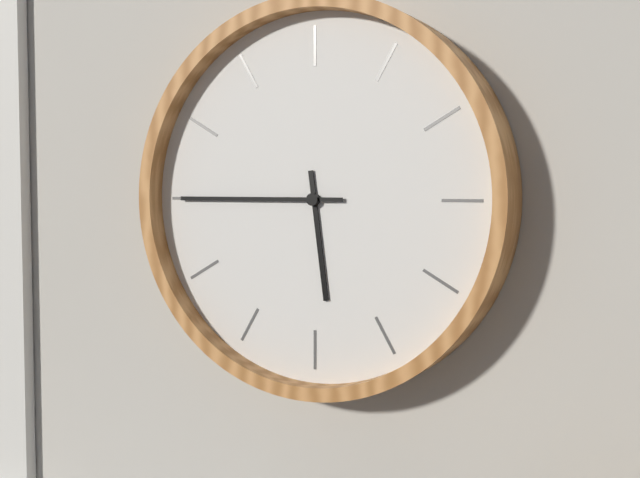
5:45
